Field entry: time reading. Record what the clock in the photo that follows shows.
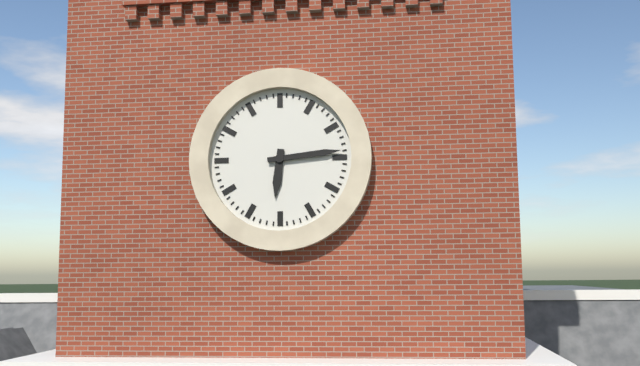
6:14
